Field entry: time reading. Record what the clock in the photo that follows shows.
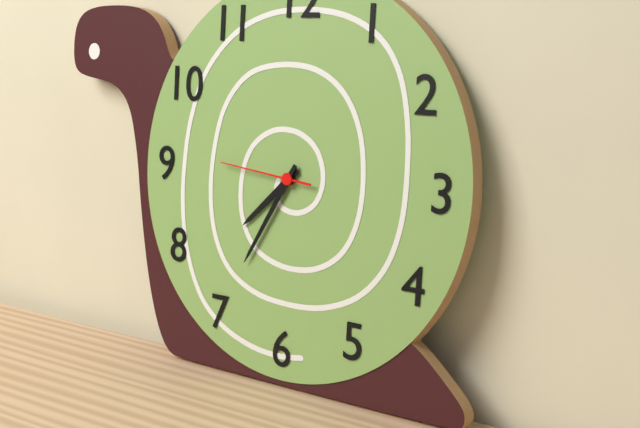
7:35:46
